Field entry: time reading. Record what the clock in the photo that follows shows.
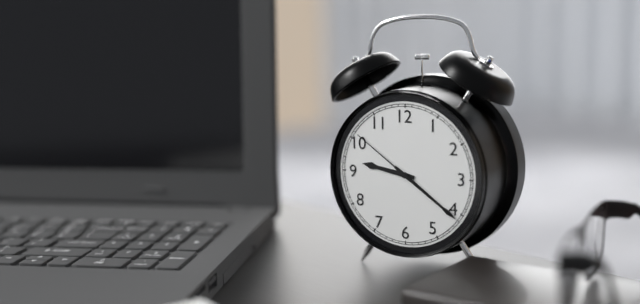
9:21:51
